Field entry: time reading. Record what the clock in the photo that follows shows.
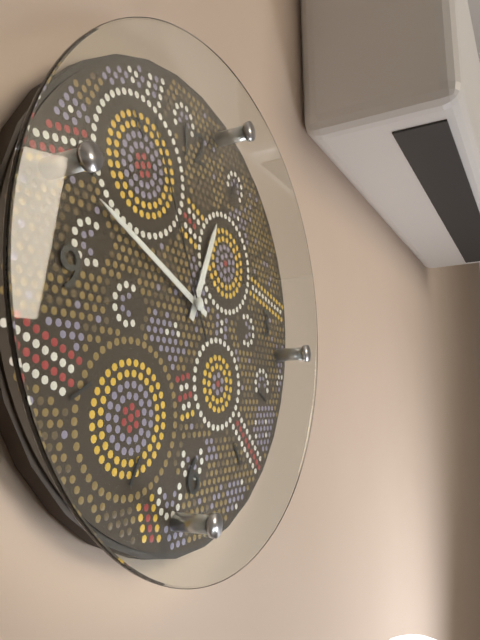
12:49:56
